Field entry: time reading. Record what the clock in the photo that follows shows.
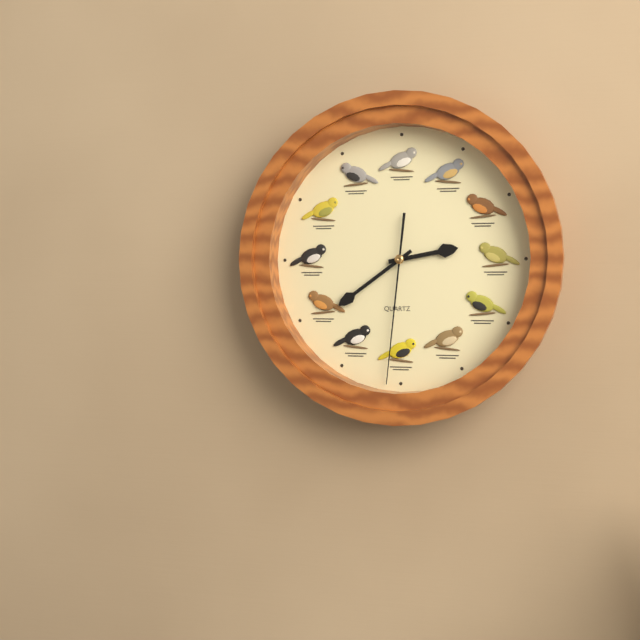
2:39:31
